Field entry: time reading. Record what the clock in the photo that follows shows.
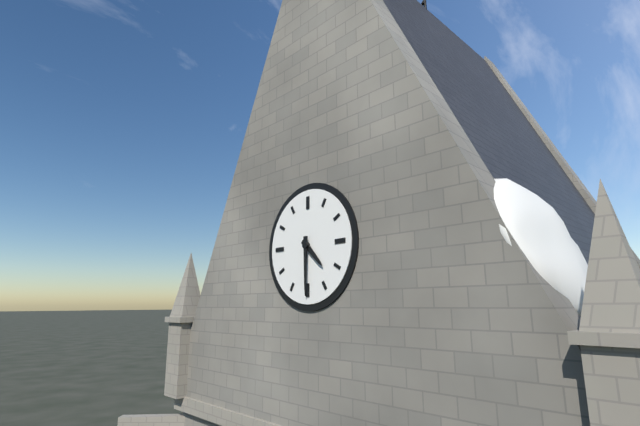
4:30
